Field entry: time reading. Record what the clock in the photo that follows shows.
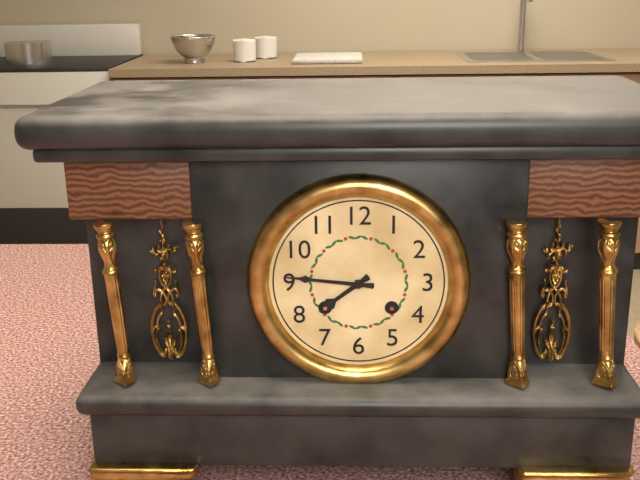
7:46
